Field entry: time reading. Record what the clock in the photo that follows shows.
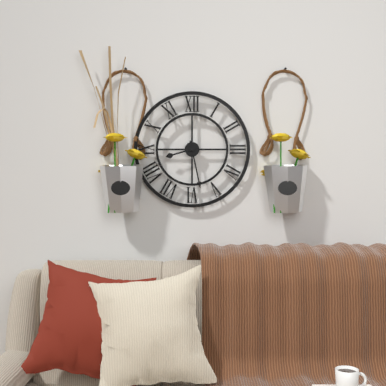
8:28
